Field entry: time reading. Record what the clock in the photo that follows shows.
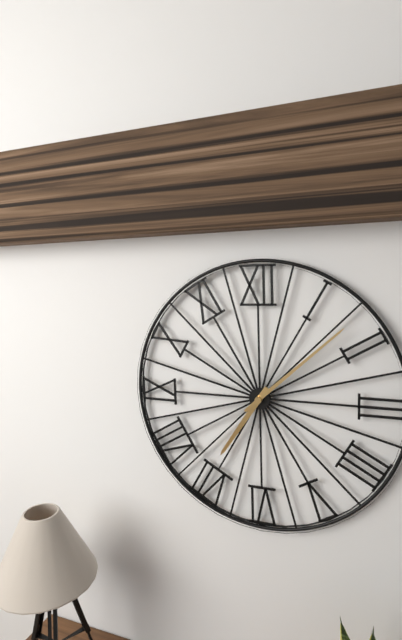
7:08
